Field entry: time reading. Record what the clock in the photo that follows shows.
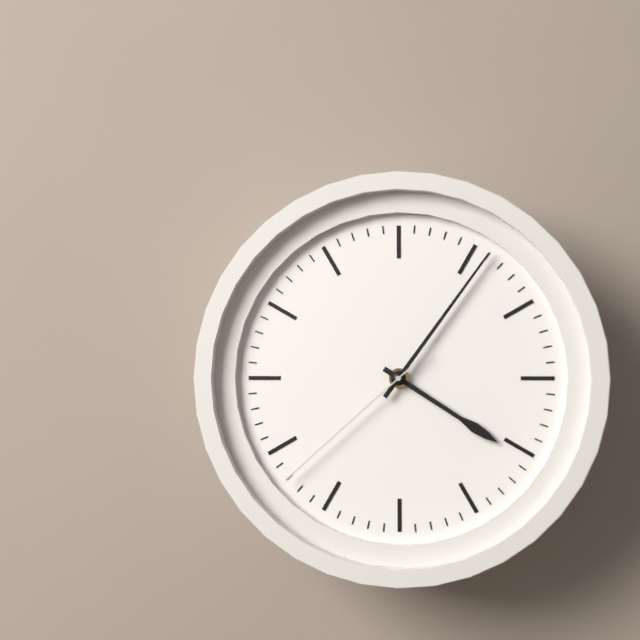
4:06:38
